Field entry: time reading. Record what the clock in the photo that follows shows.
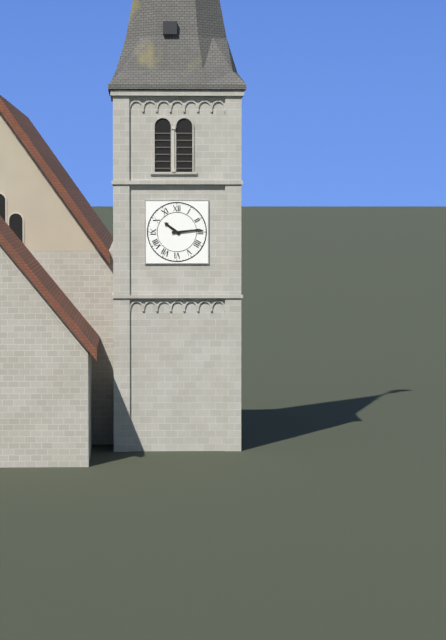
10:14
